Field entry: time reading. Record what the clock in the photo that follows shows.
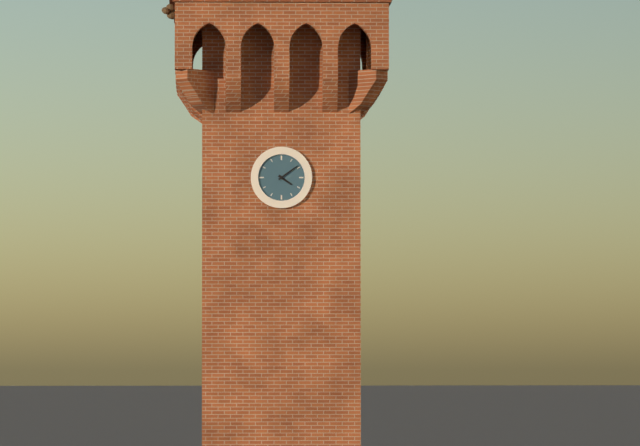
4:09
